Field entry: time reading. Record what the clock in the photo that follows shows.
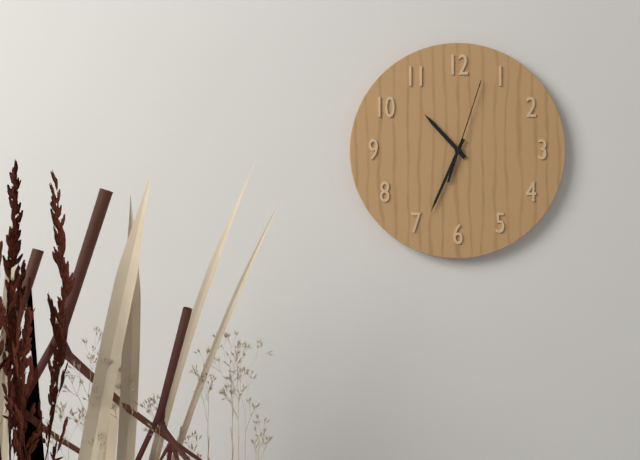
10:34:03
